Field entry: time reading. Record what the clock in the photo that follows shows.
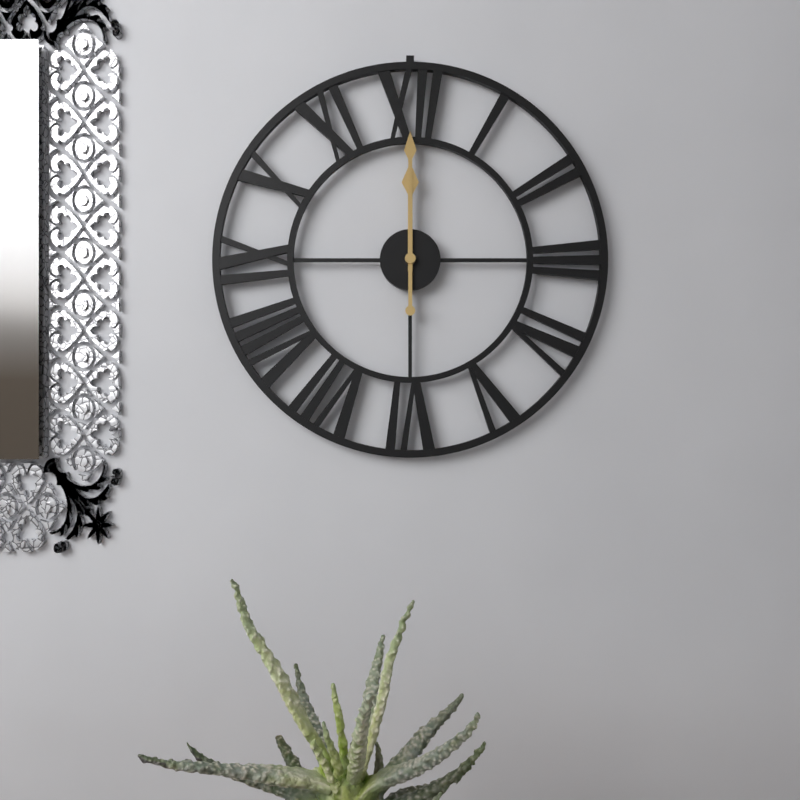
12:00
